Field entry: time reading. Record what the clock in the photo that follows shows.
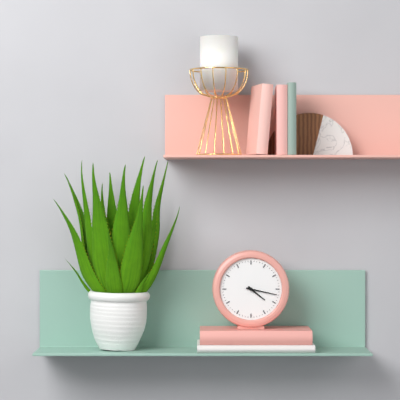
4:17
